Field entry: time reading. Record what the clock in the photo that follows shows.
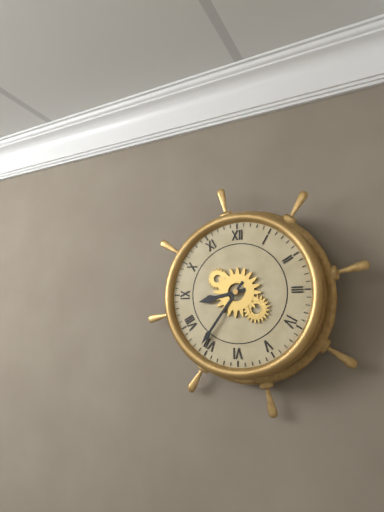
8:36
